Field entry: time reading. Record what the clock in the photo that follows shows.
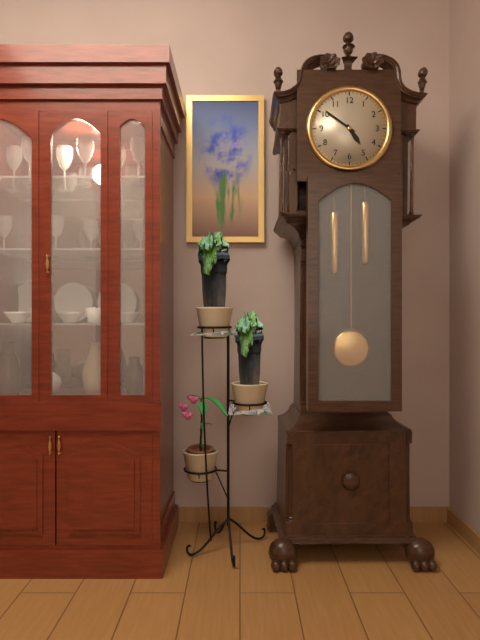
4:51
